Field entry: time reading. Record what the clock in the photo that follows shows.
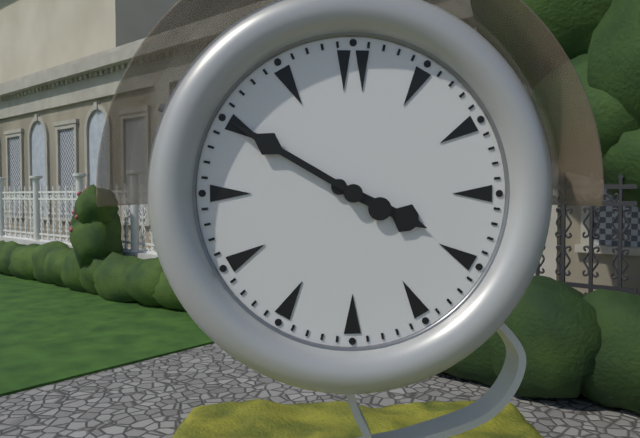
3:50
